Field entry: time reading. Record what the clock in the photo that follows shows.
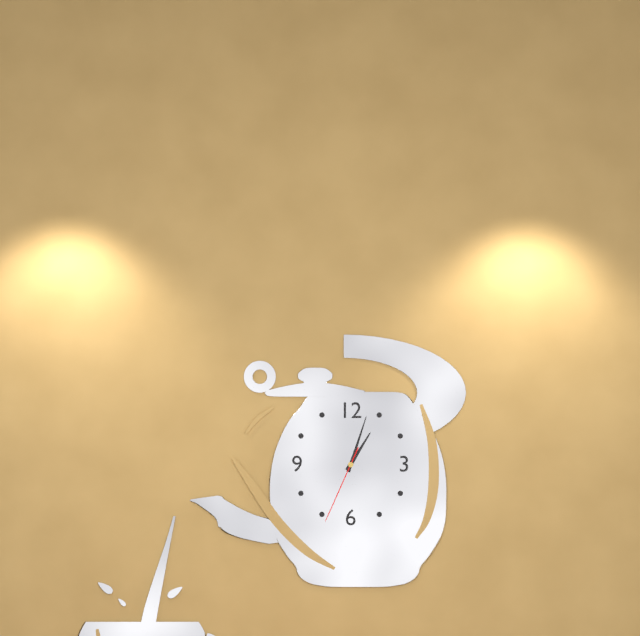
1:03:34
